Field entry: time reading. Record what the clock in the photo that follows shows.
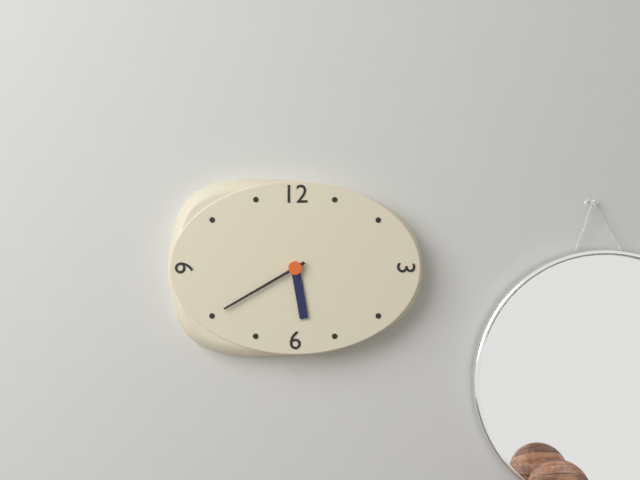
5:40
